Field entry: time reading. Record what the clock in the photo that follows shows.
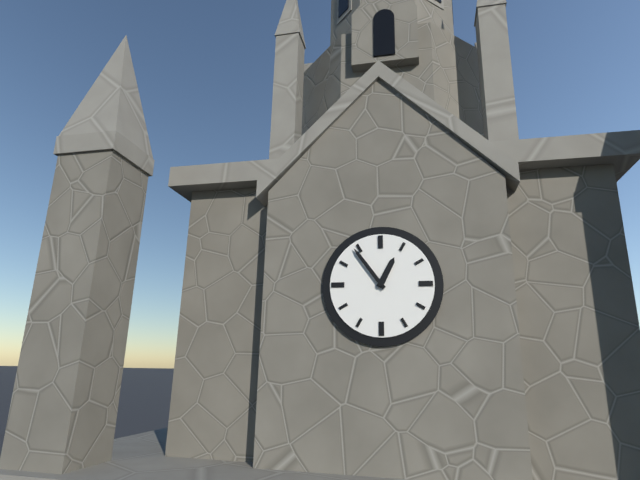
12:54
